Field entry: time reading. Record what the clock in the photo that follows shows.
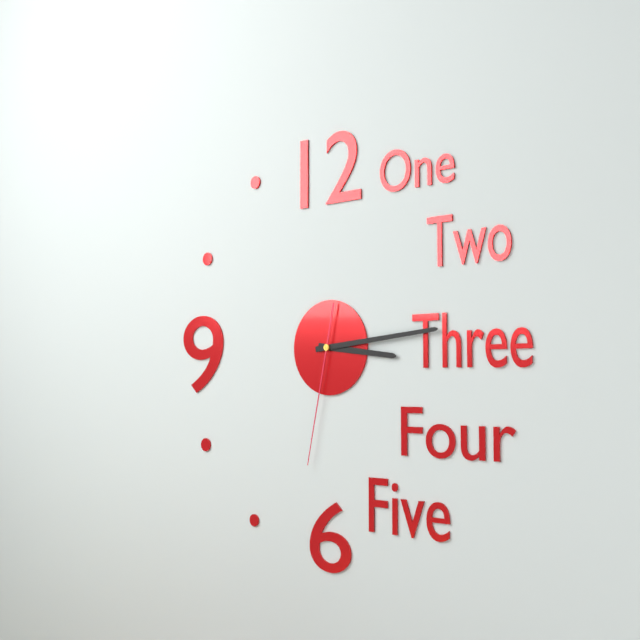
3:14:32
